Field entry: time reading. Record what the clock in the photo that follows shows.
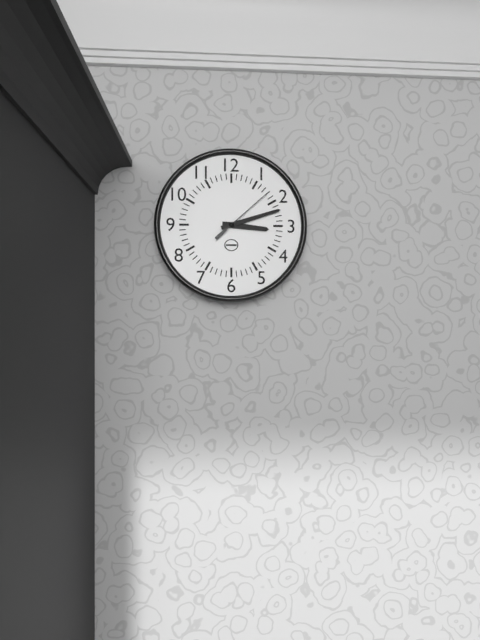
3:12:08
